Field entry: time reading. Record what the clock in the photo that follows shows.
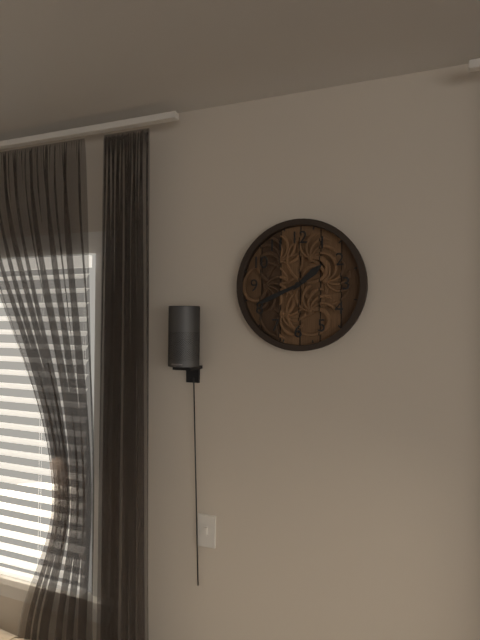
1:41
